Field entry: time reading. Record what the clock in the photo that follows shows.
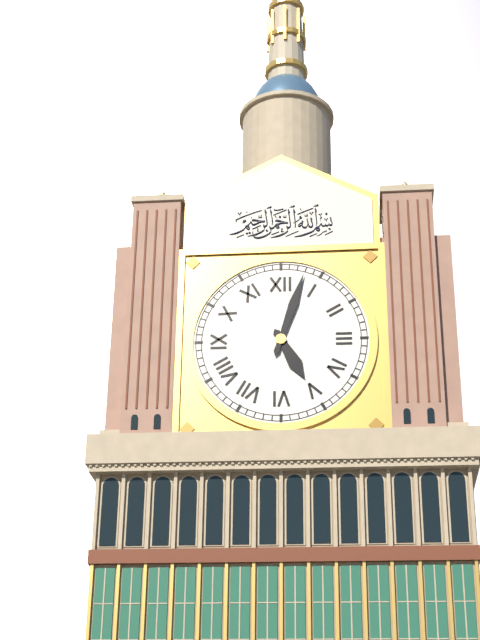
5:03
